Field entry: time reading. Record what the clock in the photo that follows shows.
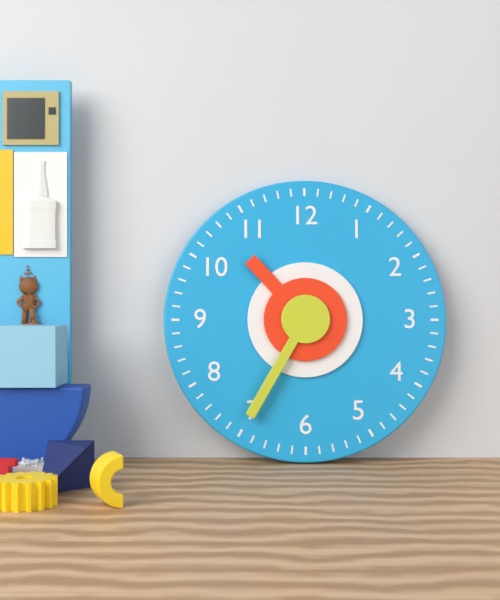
10:35
